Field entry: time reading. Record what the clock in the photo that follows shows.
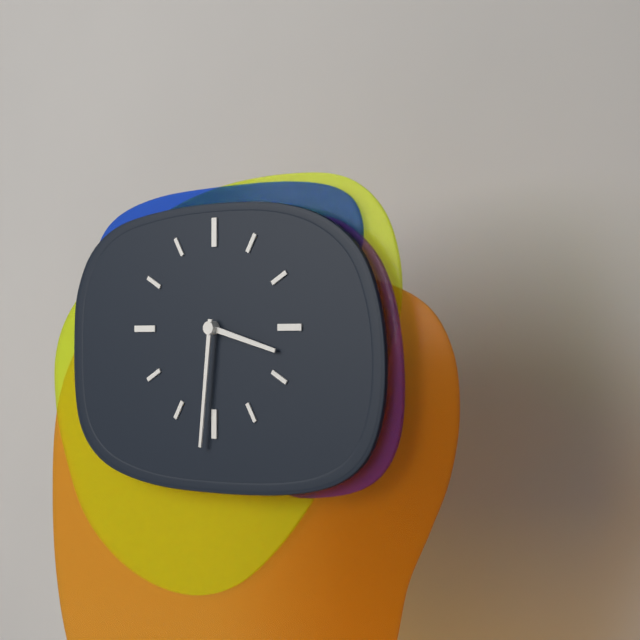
3:31
